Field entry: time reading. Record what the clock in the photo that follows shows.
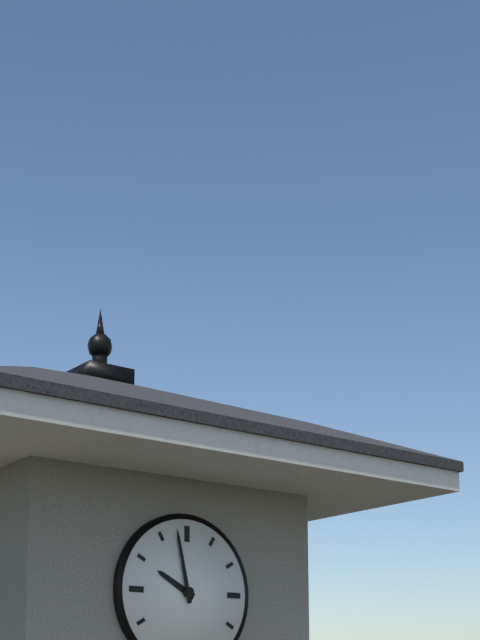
9:58
